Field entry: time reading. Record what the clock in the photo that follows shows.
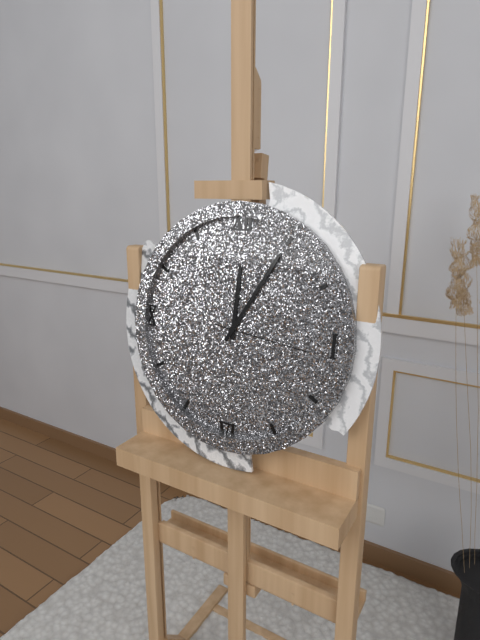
12:05:16
